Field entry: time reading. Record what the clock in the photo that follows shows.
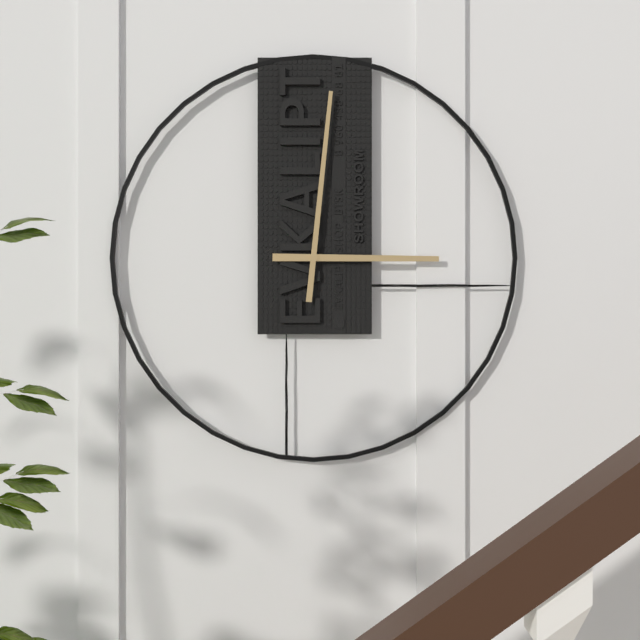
3:01
